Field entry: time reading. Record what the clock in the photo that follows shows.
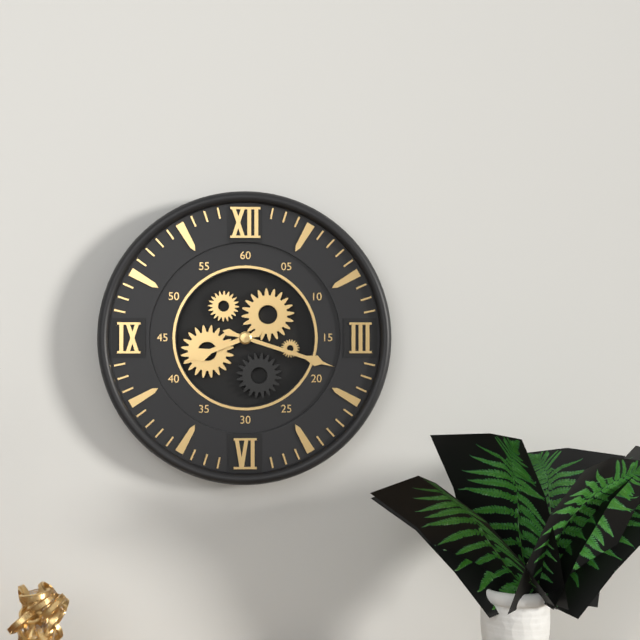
8:18
